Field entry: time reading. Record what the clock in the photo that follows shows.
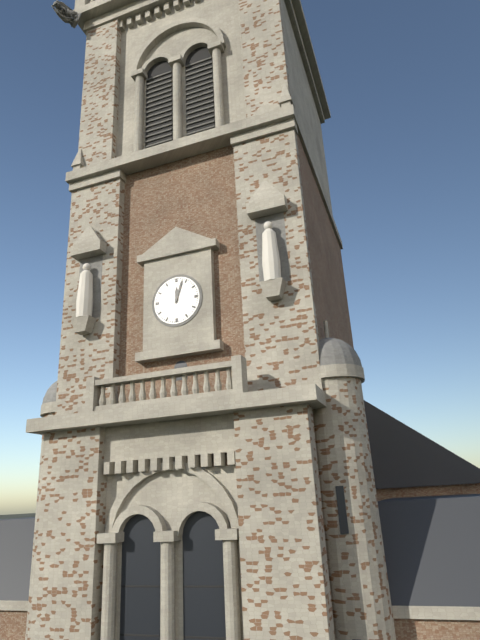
12:03
